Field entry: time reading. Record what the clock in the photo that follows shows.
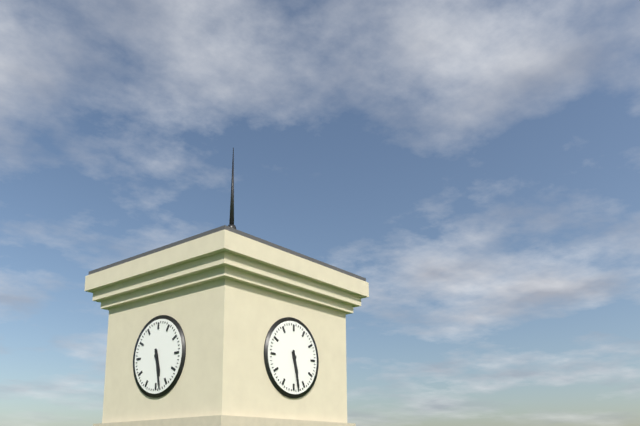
5:28
